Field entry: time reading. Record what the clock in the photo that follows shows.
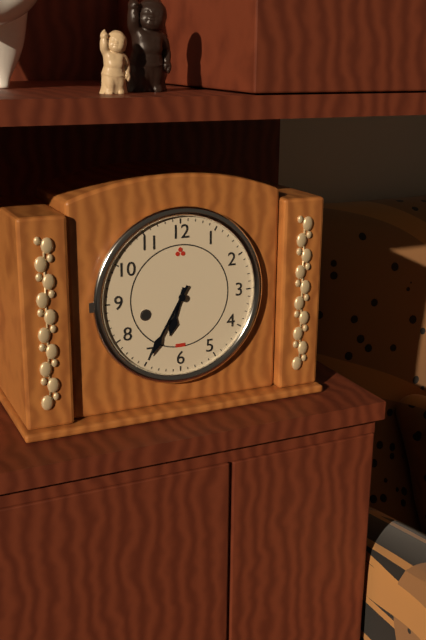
6:35
